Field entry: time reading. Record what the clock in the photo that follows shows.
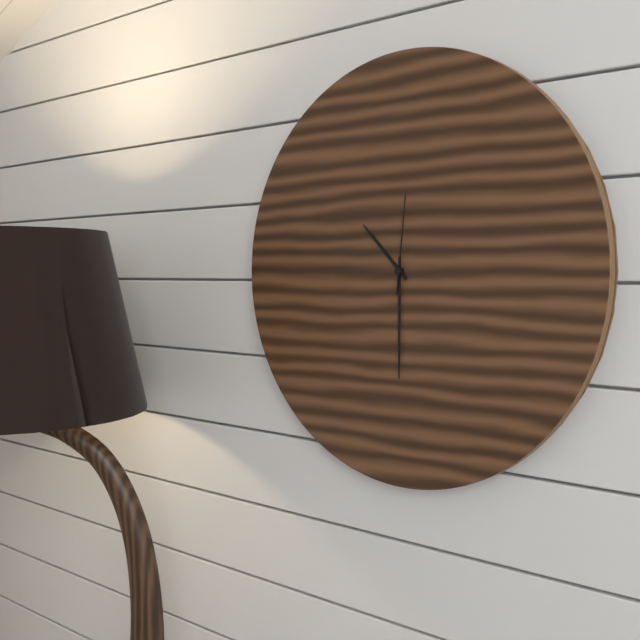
10:30:01
